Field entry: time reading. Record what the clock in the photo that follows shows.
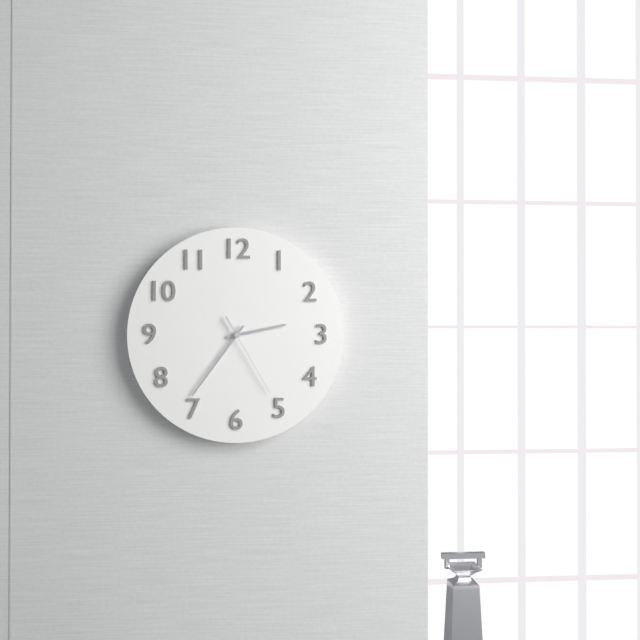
2:36:25
